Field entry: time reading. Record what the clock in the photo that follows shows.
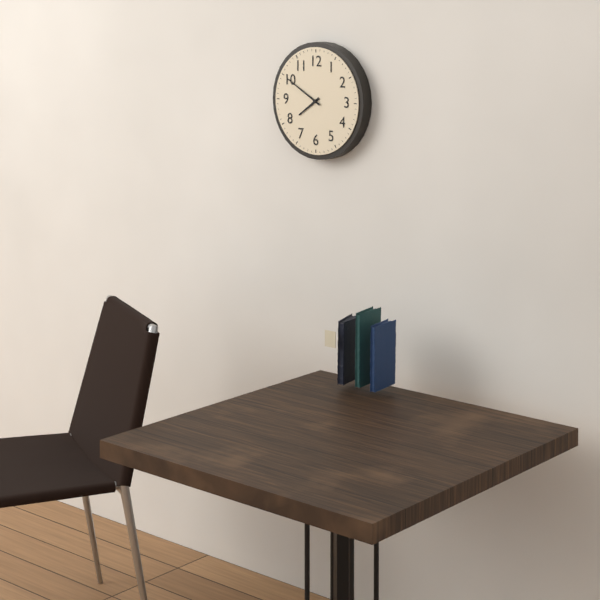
7:50
